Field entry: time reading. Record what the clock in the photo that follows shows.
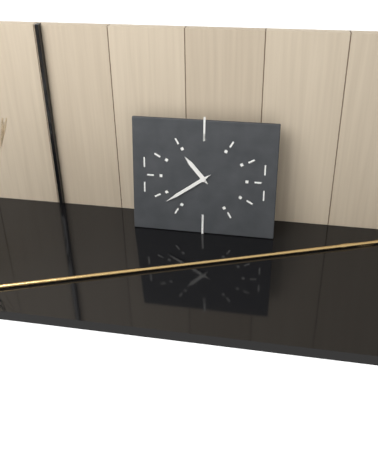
10:39
